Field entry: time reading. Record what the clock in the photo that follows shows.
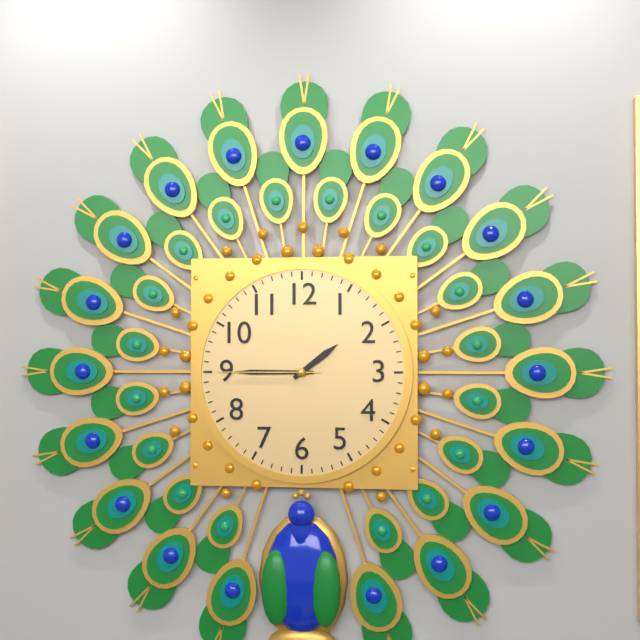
1:45:45
